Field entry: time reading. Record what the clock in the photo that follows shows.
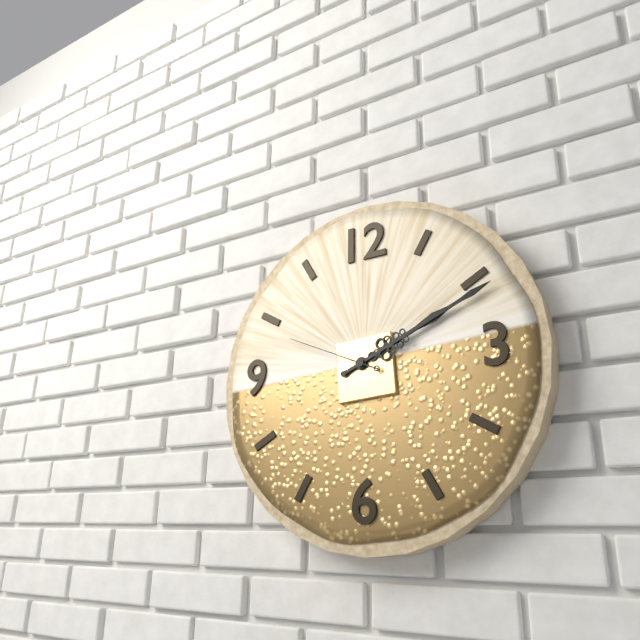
2:11:49
